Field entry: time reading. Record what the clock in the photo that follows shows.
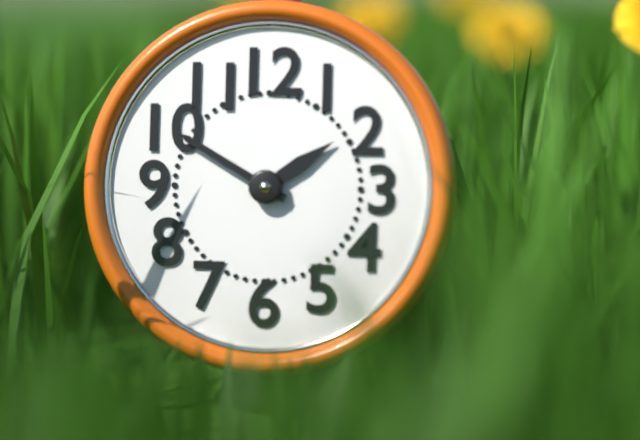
1:50
